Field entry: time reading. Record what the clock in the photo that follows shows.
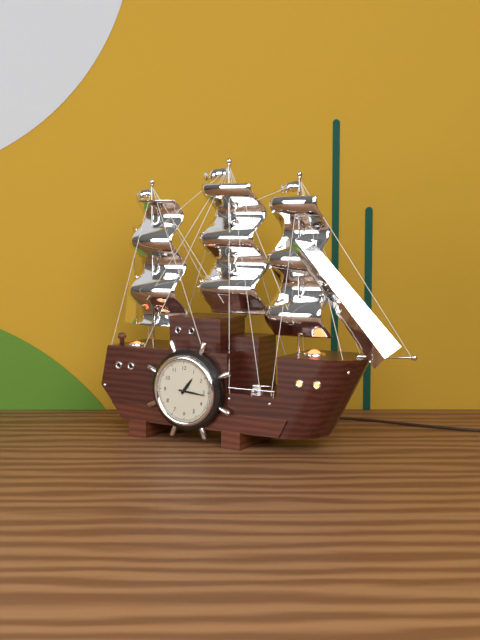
1:16
